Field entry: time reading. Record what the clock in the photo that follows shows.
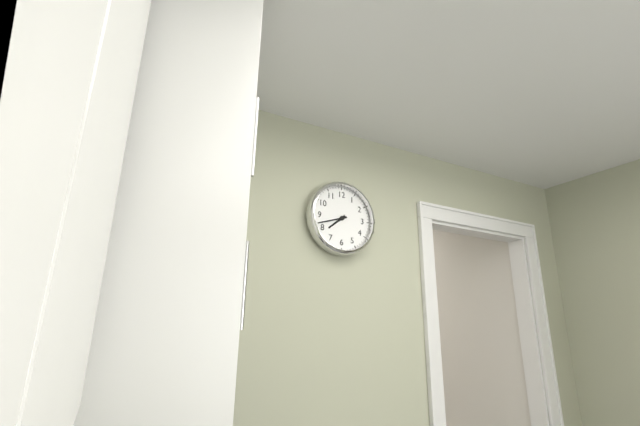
7:42
